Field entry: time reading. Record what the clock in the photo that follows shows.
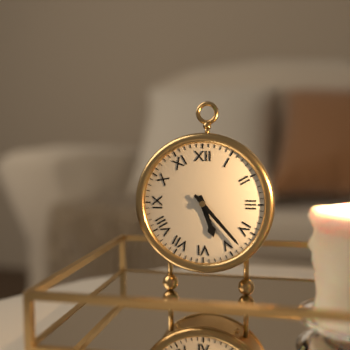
5:23
